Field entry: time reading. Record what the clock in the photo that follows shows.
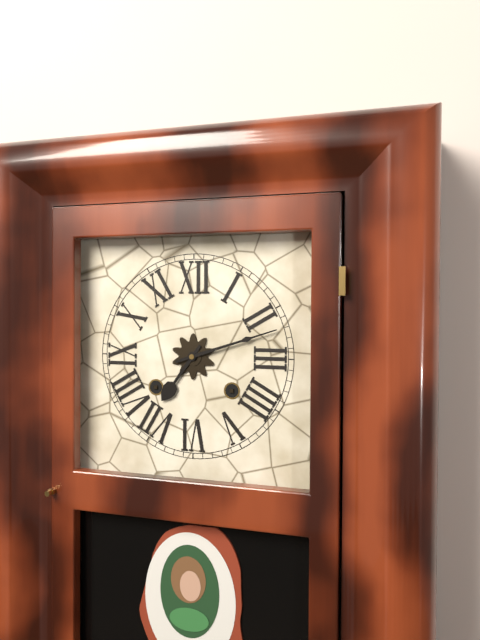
7:12
